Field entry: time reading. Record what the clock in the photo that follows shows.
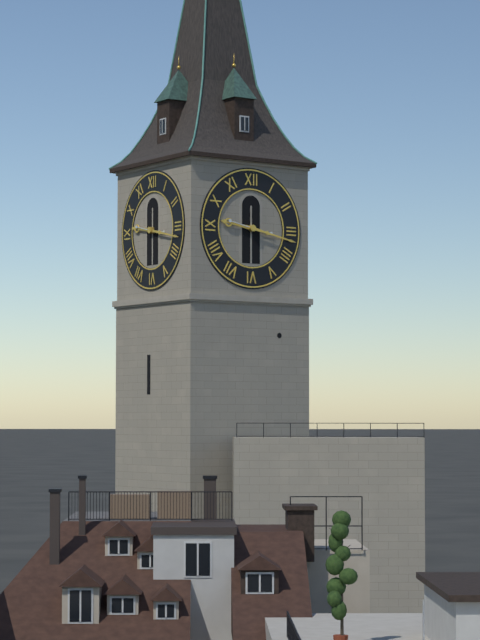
9:17
